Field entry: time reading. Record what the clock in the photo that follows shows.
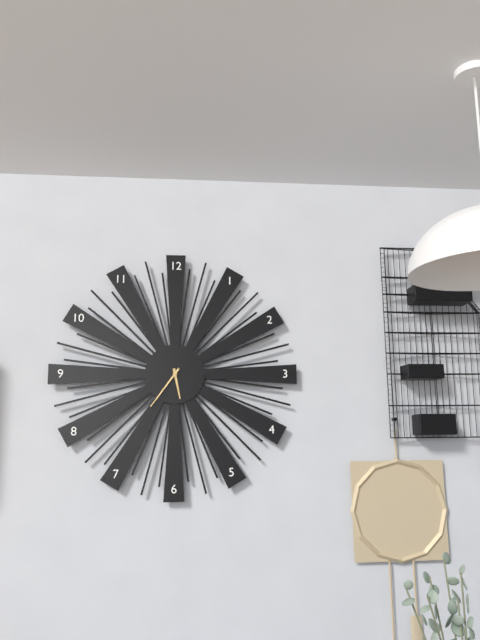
5:36
